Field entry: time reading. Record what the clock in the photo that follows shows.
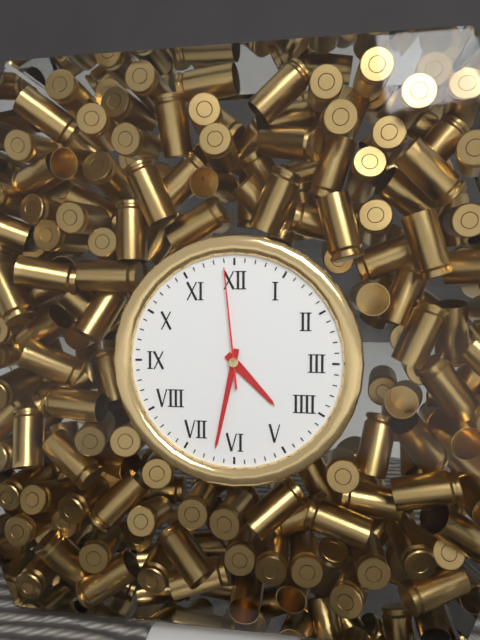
4:32:59
